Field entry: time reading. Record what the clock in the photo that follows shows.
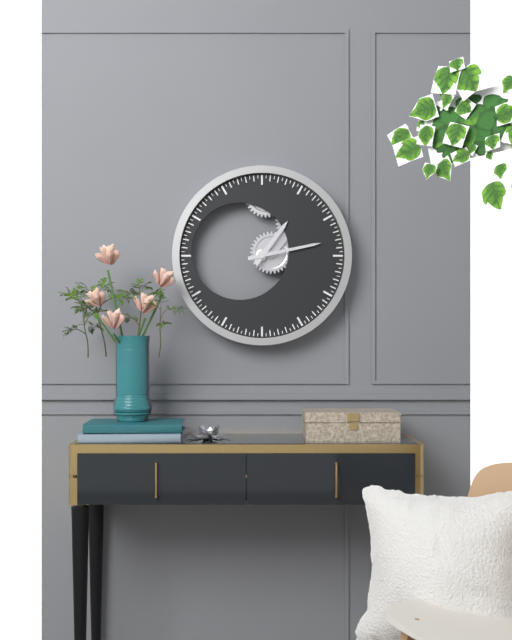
1:13
